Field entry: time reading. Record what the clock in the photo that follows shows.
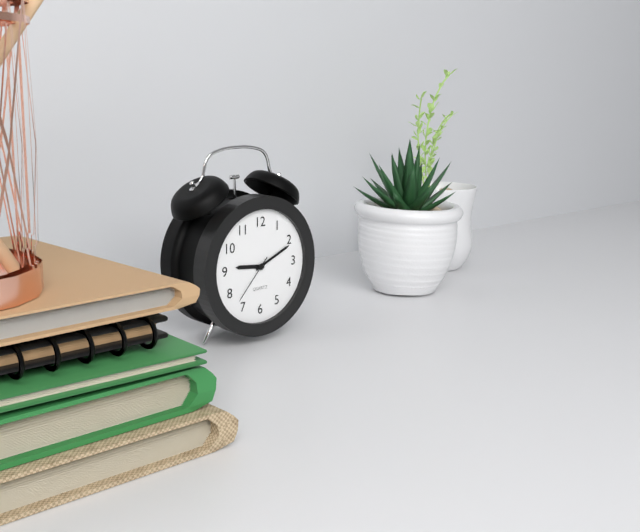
9:11:37
